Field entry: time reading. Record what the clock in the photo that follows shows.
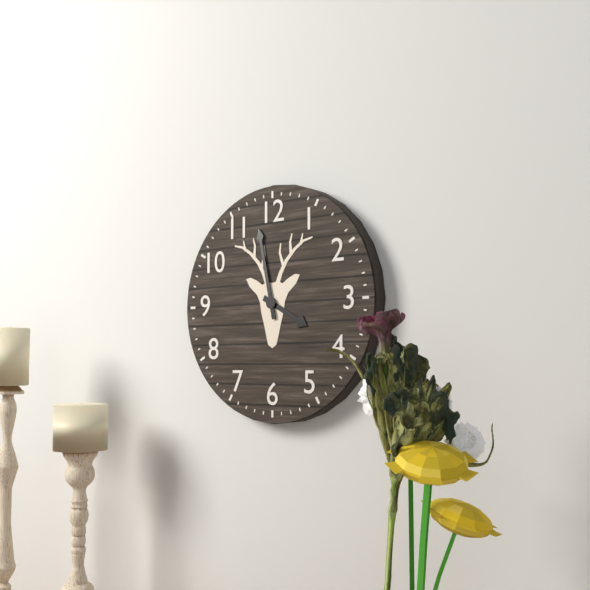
3:58
